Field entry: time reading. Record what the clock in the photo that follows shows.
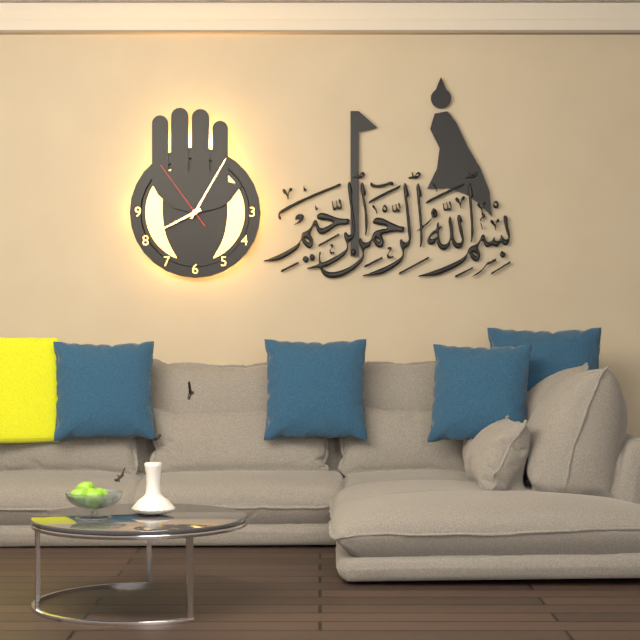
8:05:54
